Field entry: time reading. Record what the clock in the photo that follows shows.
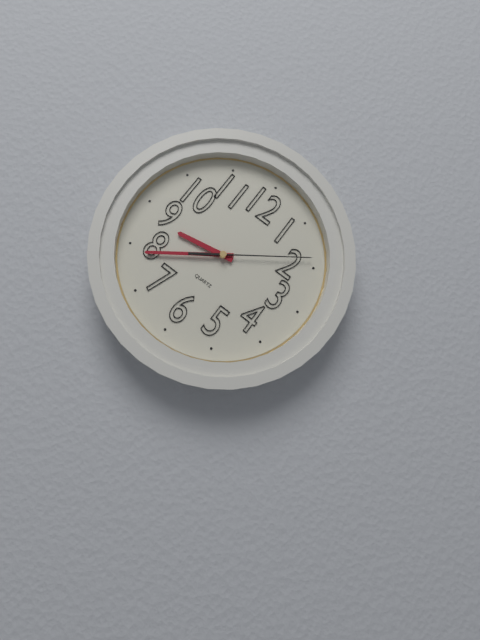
8:39:09
